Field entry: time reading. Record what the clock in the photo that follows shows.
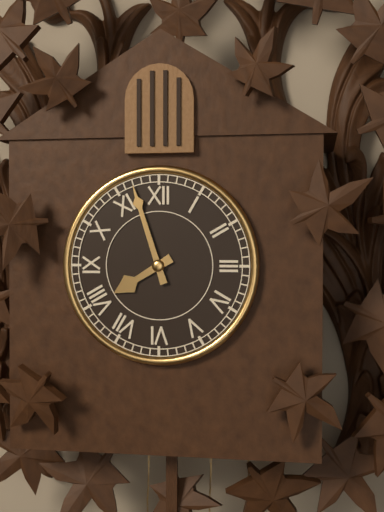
7:57
